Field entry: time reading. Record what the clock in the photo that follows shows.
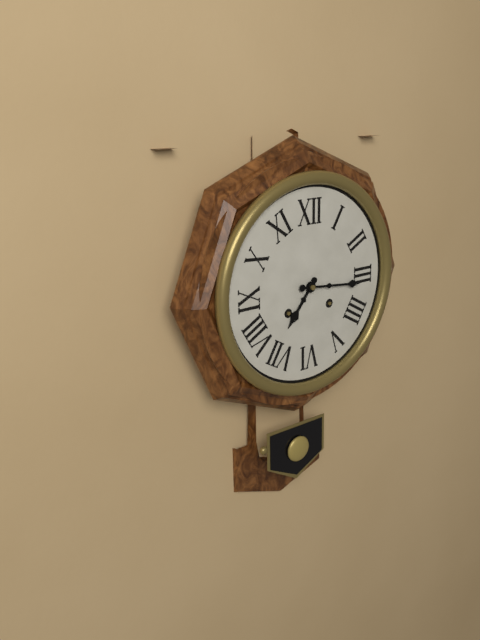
7:16
